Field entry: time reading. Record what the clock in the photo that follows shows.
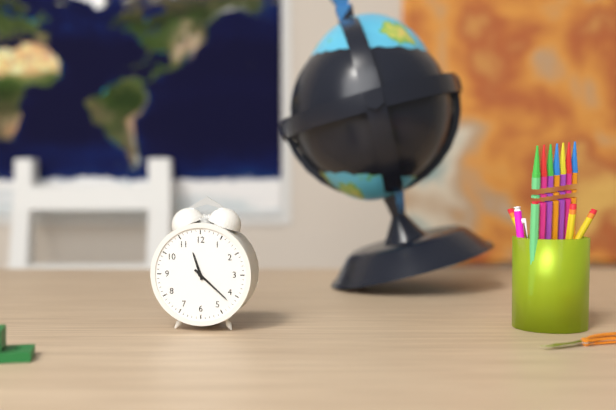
11:22
